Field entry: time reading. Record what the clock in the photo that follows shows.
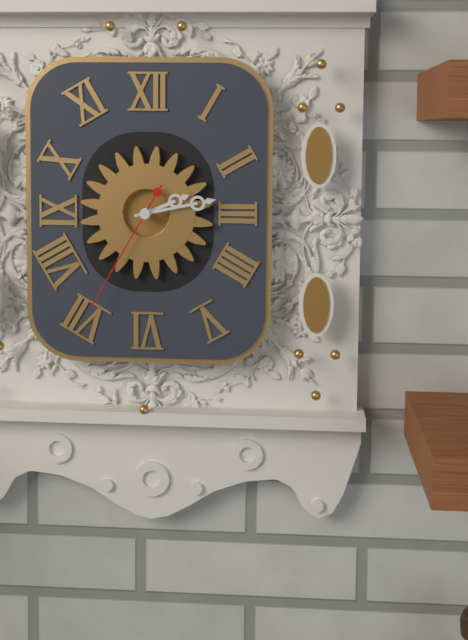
2:13:35
